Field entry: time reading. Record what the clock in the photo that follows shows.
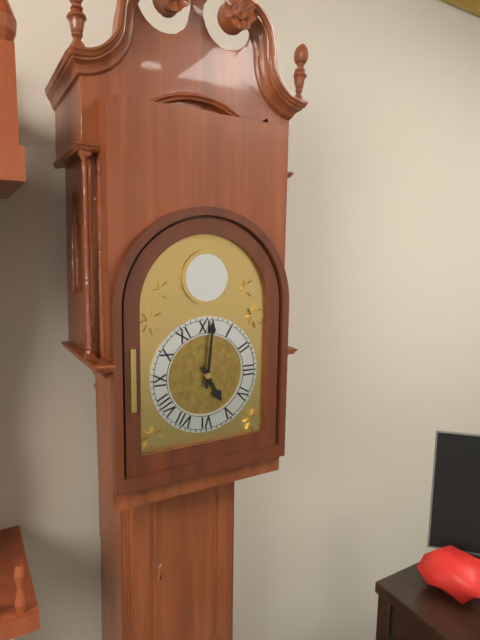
5:01
